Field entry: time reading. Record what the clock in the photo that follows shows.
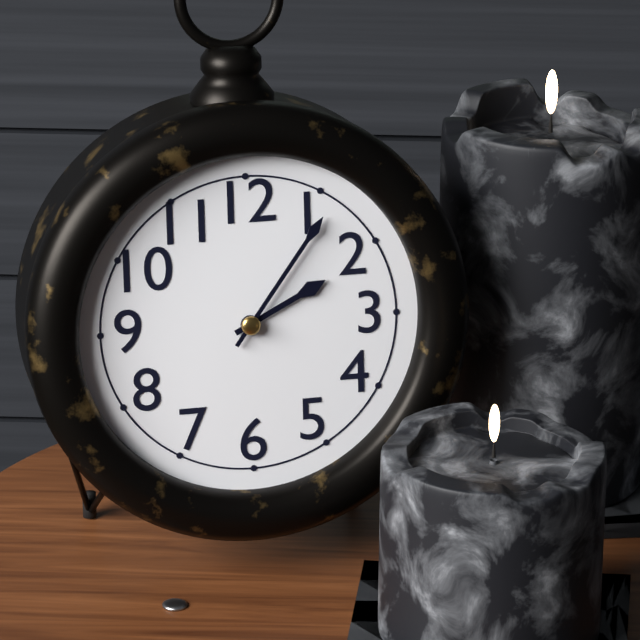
2:06
